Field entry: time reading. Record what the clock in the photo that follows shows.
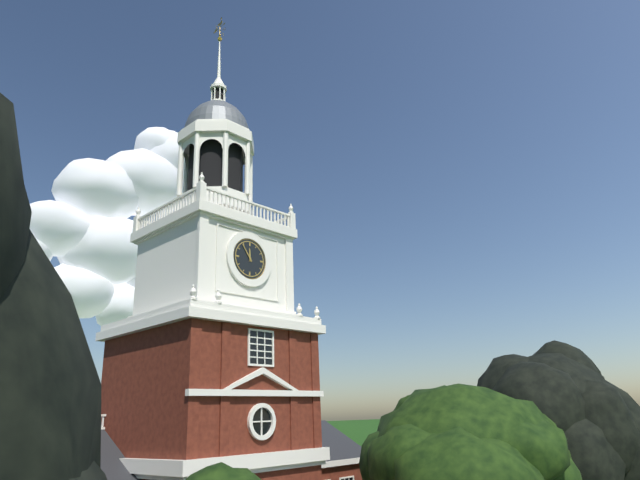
11:54
